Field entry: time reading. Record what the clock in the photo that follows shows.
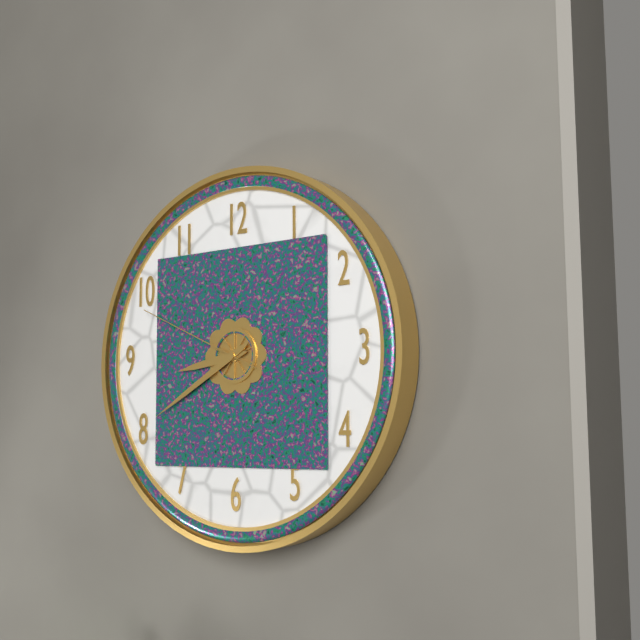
8:40:49
